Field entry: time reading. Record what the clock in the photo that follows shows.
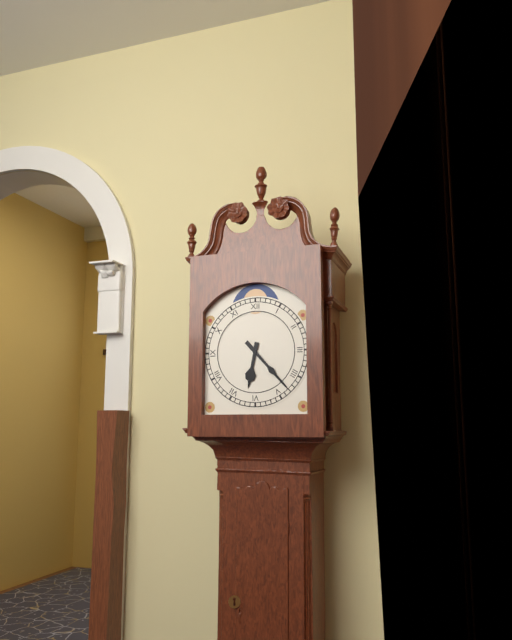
6:23
